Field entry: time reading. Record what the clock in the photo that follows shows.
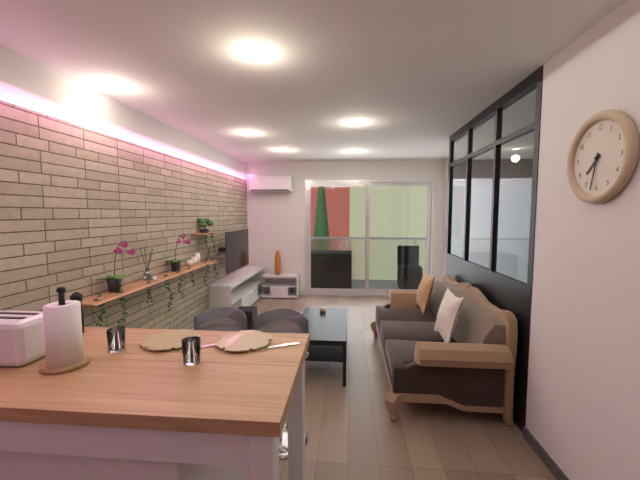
7:32
